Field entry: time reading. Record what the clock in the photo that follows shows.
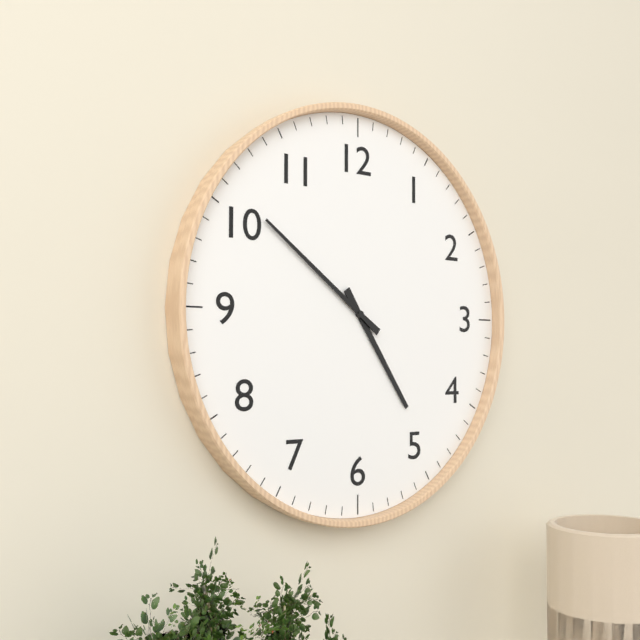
4:51
